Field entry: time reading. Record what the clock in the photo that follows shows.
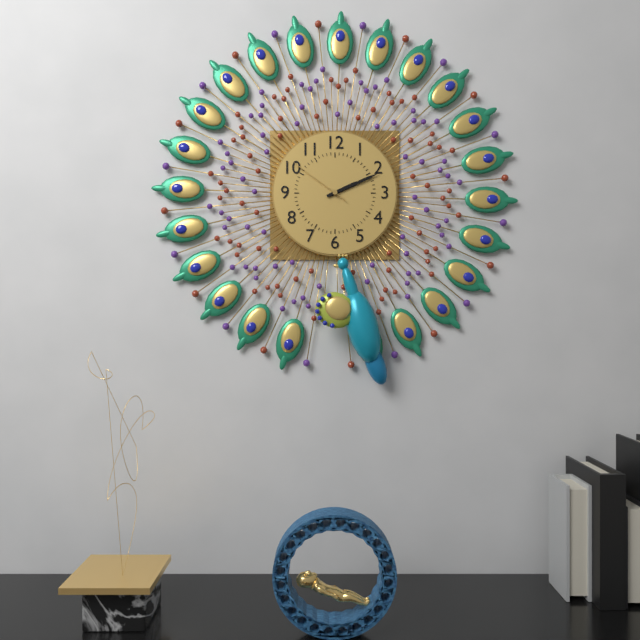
2:11:51
